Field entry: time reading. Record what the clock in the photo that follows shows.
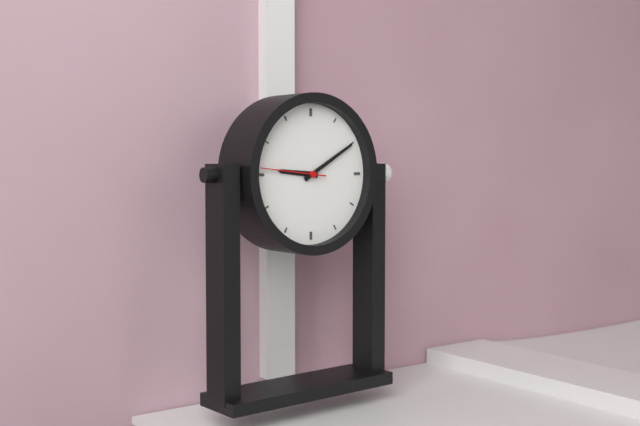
9:10:46
